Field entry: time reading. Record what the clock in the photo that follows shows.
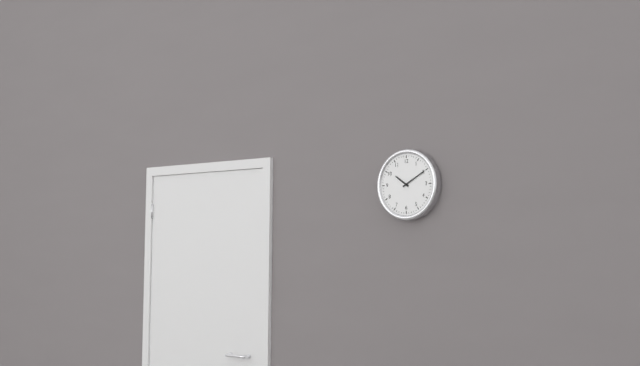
10:10
